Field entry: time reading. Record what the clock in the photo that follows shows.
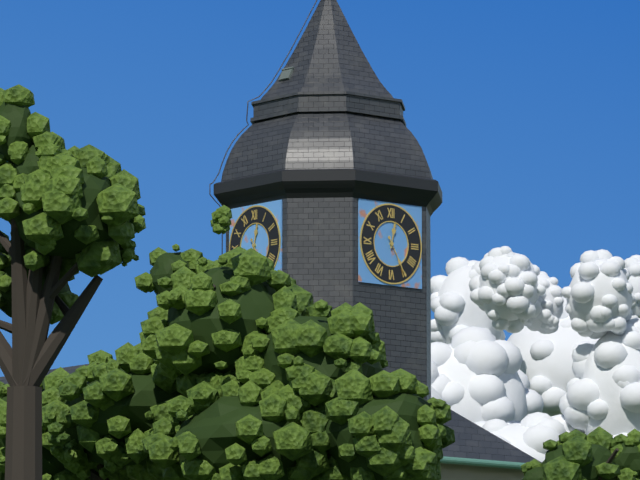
12:25
